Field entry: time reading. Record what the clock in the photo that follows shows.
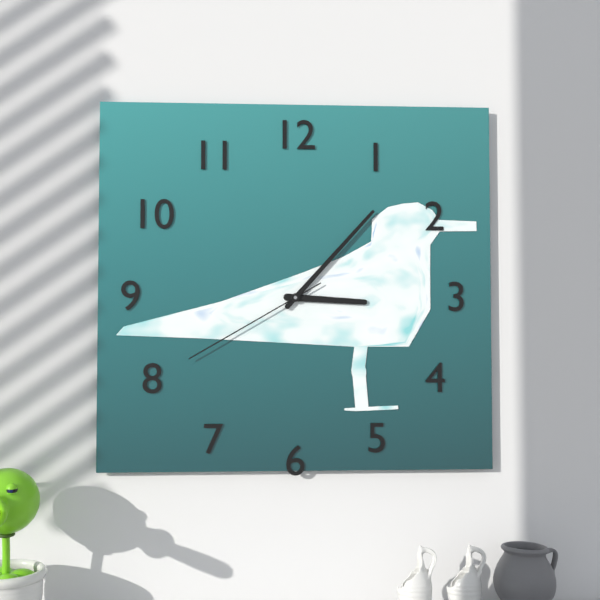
3:07:40
